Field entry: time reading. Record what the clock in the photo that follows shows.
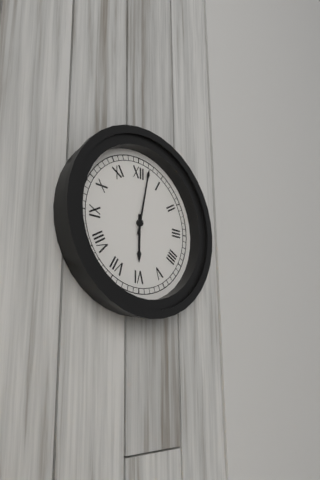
6:02
